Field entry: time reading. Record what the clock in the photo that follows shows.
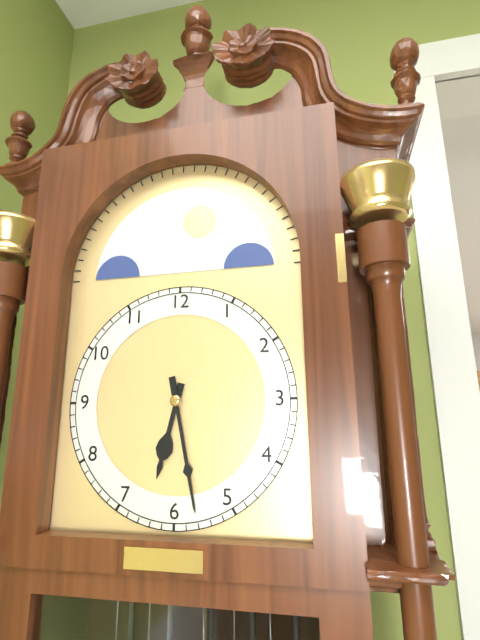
6:28
